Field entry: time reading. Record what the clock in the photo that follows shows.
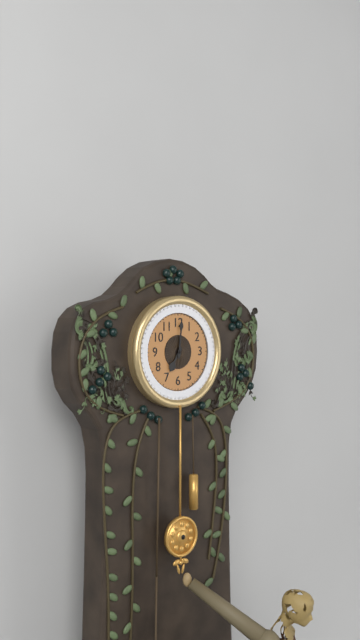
7:01
